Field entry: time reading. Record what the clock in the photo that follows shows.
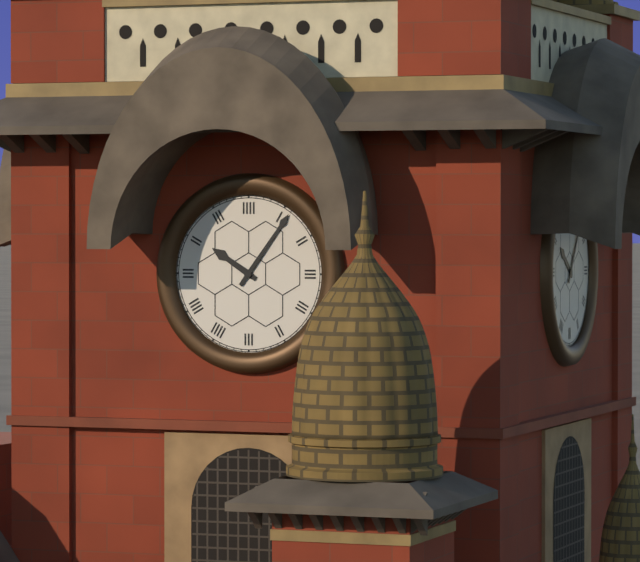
10:06
